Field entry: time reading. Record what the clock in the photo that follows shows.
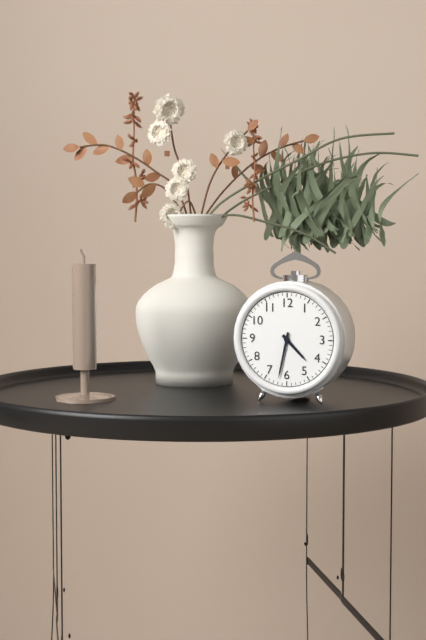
4:32
